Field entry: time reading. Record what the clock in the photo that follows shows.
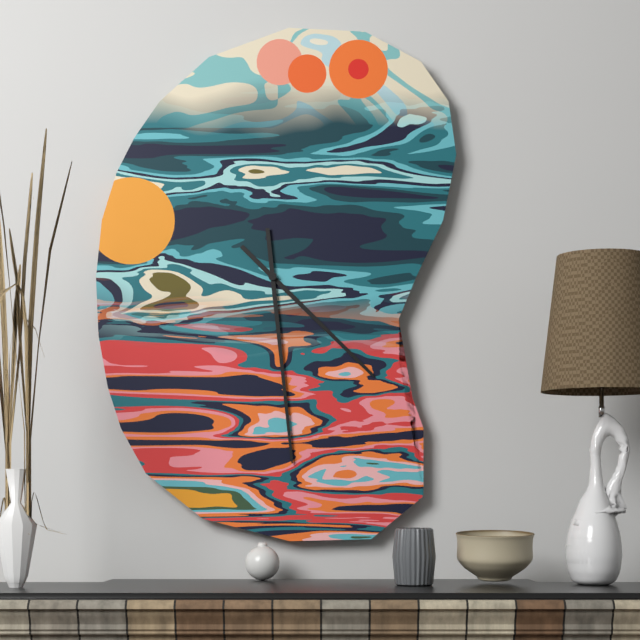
4:29
